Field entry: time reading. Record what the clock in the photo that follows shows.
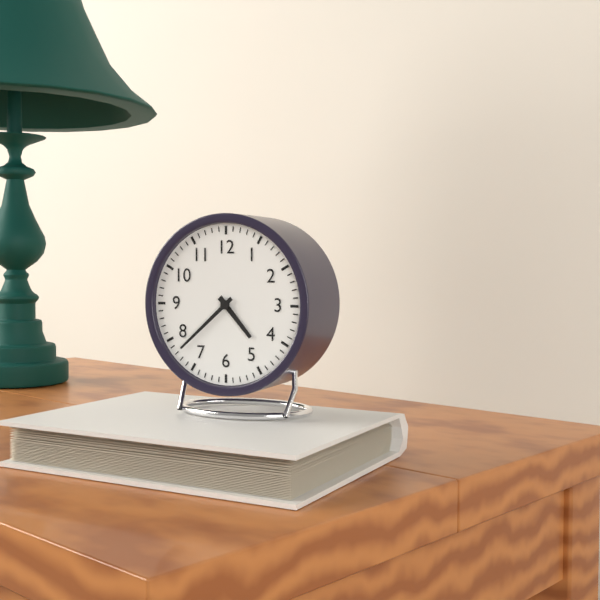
4:38
